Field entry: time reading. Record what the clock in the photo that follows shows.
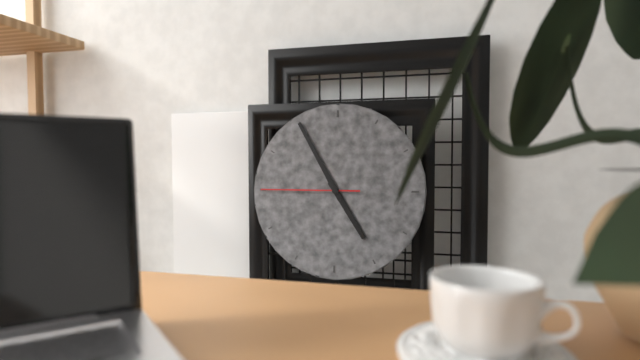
4:55:45
